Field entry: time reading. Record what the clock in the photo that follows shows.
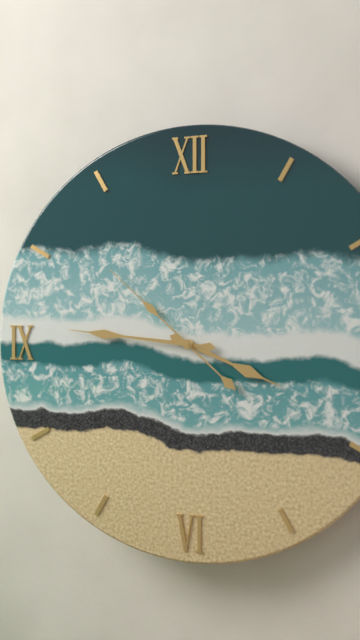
3:46:52
